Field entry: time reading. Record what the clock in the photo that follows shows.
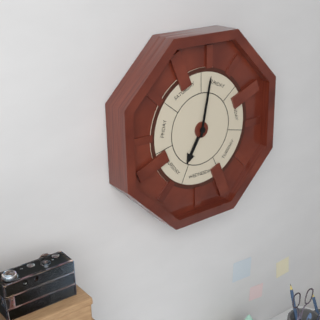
7:02
